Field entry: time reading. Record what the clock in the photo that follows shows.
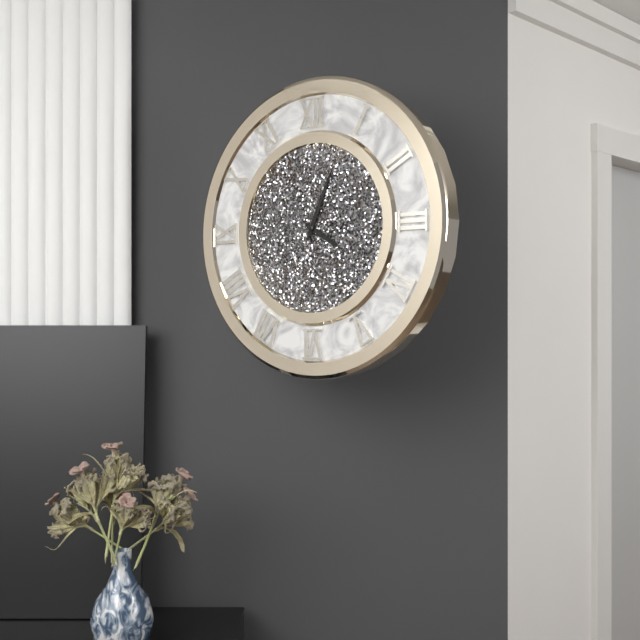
4:04
